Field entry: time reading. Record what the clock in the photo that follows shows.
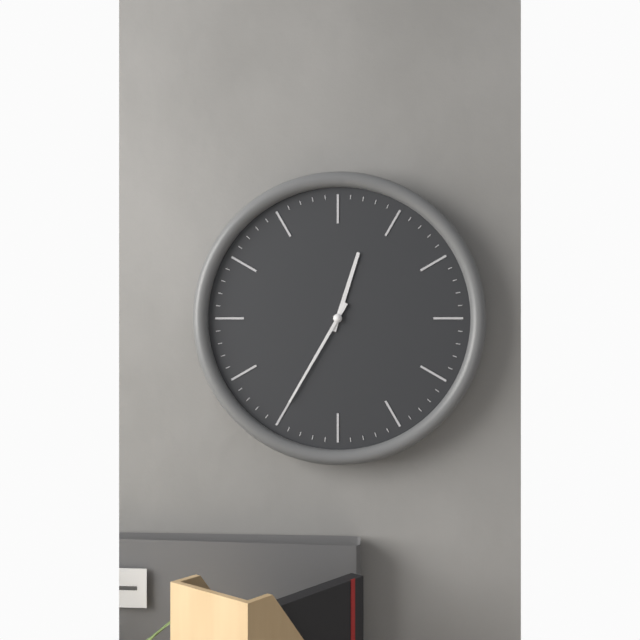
12:35
